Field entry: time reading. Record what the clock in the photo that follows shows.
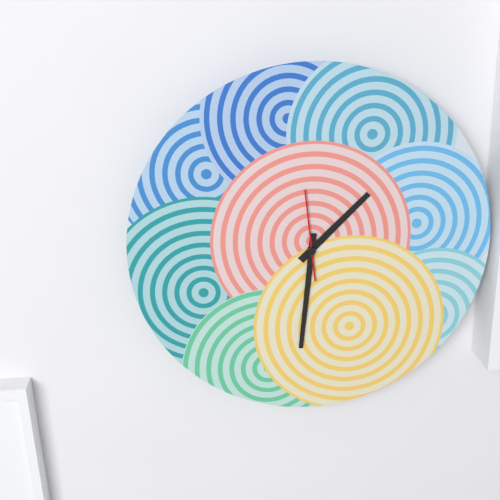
1:31:59
